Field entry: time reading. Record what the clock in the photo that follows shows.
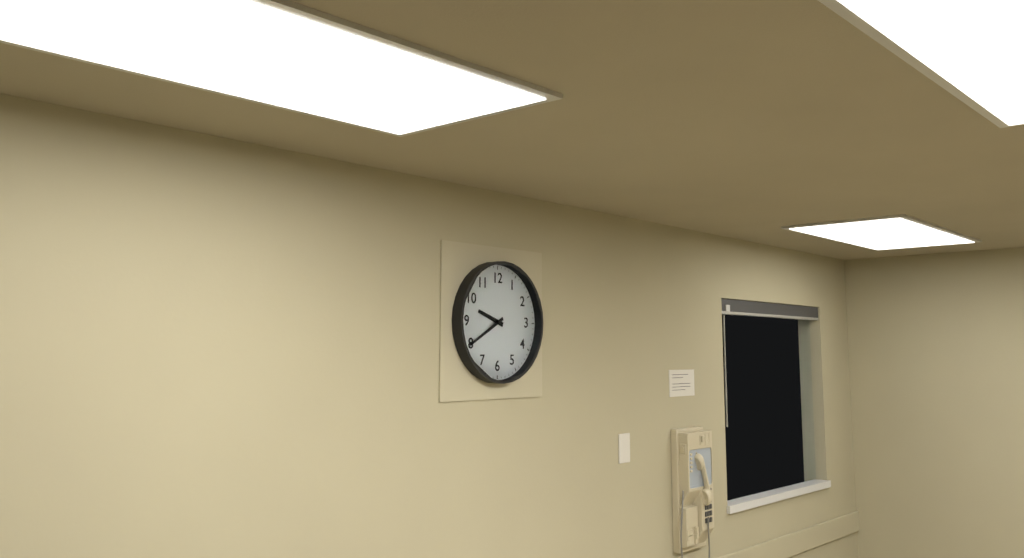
9:40
